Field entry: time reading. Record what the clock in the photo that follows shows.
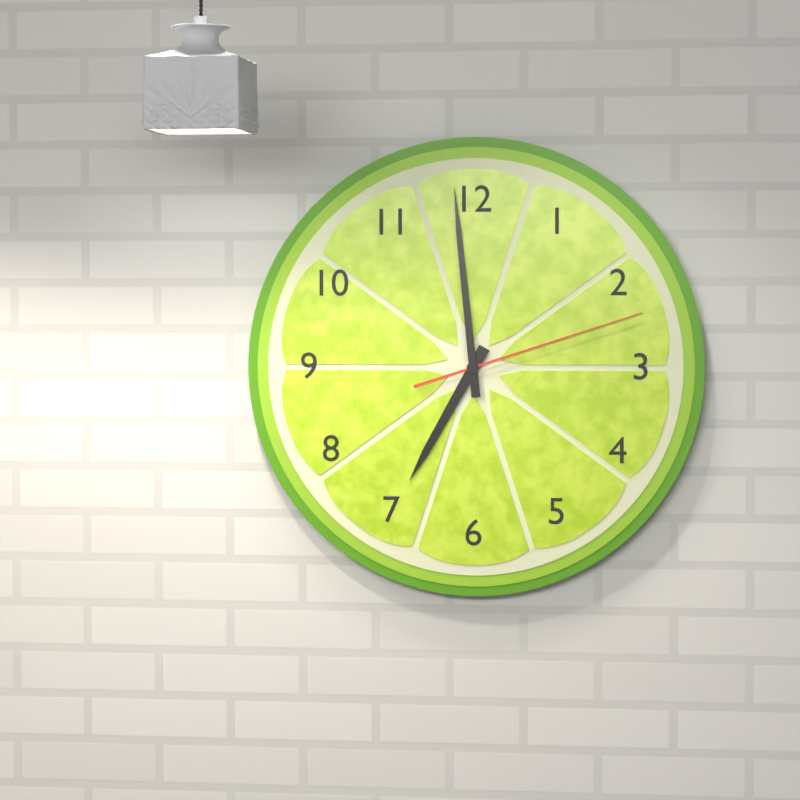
6:59:12
